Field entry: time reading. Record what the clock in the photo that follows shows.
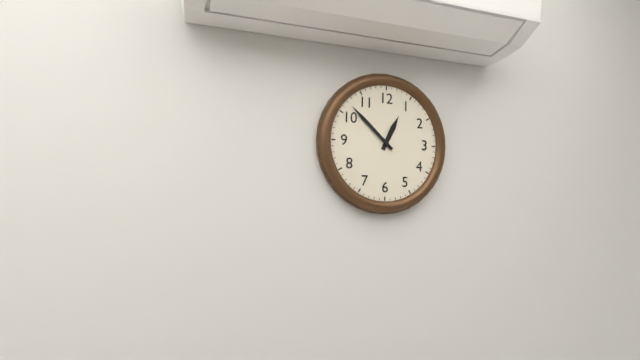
12:52
